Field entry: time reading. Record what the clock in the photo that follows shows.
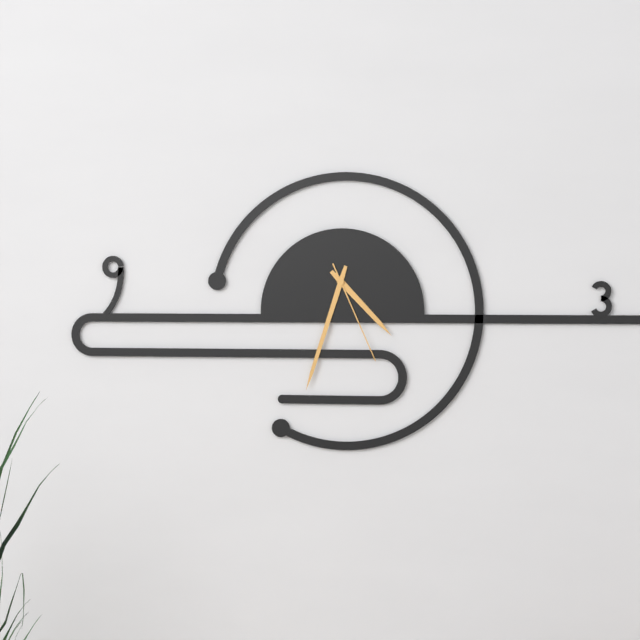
4:33:26
